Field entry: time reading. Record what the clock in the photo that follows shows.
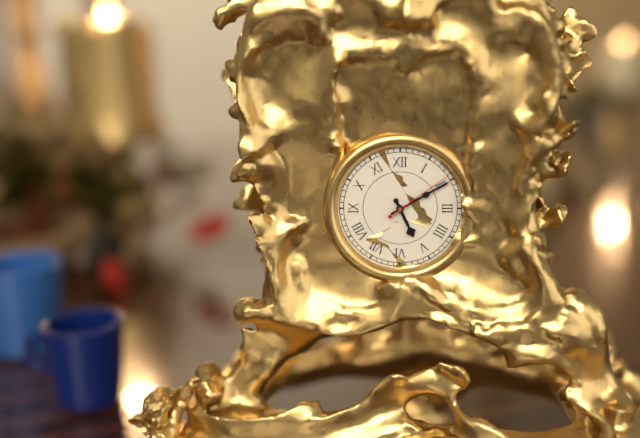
5:10:09
